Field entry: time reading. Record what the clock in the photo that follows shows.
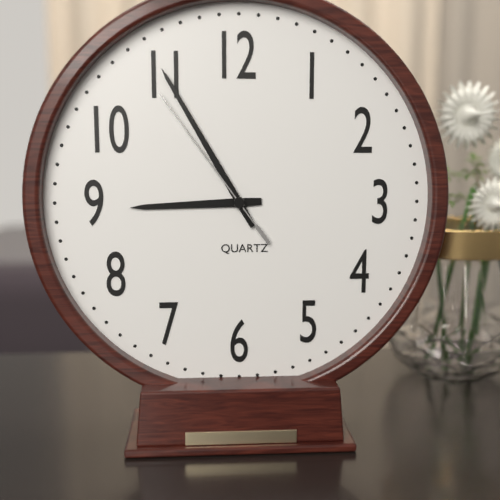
8:55:54
